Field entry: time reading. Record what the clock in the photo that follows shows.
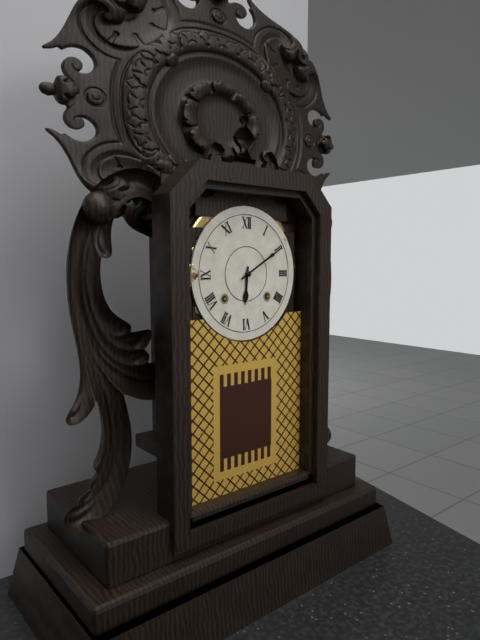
6:10
